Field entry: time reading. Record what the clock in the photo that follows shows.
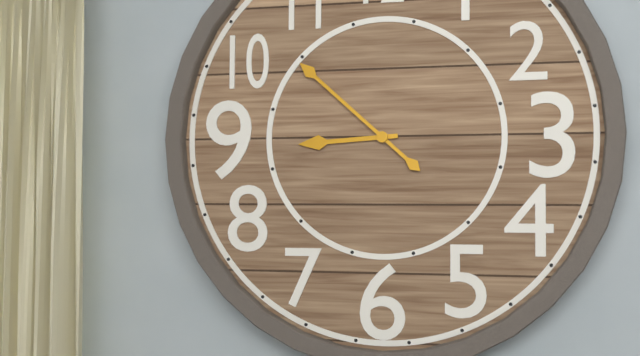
8:52
